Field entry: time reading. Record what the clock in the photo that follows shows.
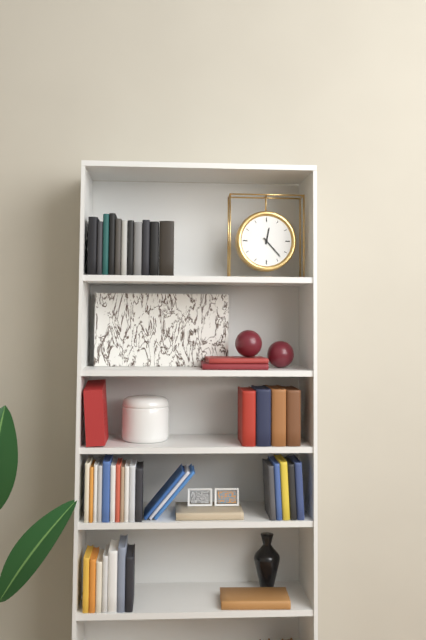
12:23
